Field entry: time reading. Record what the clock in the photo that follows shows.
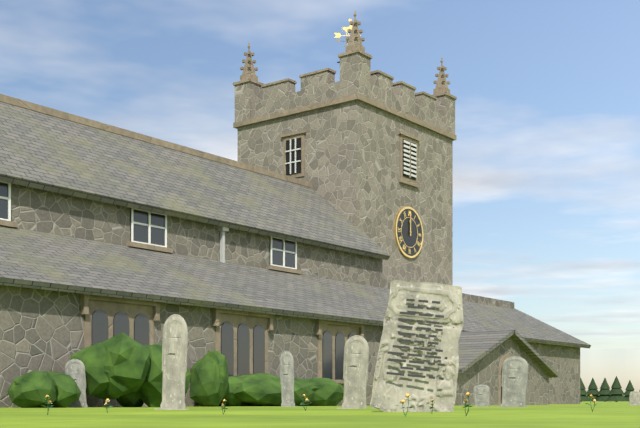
12:00
